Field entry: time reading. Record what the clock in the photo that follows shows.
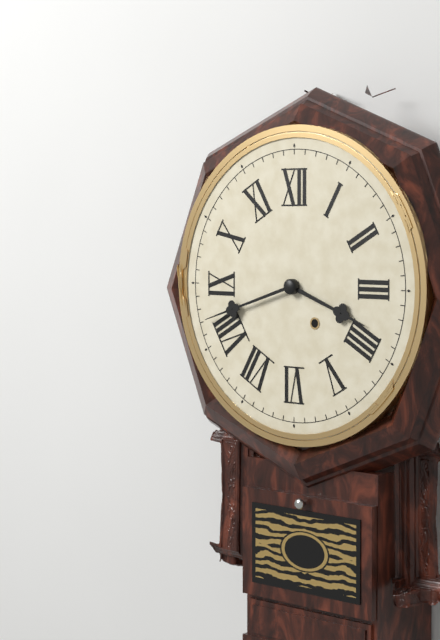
3:42
